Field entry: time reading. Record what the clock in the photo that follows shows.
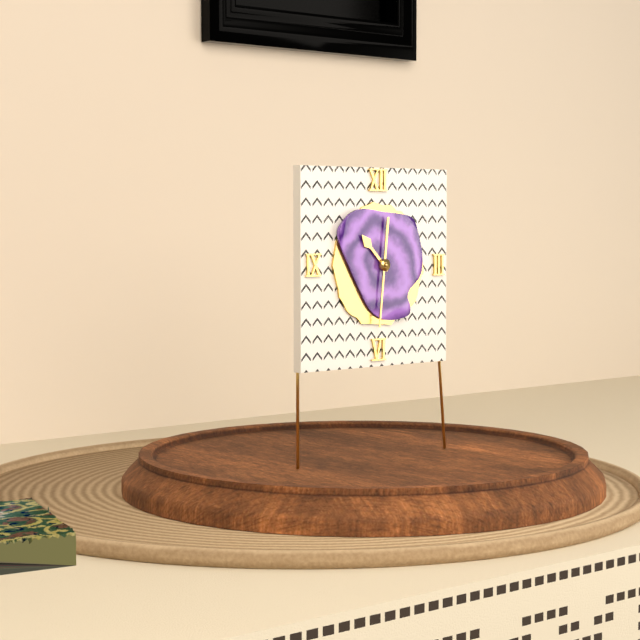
10:31
